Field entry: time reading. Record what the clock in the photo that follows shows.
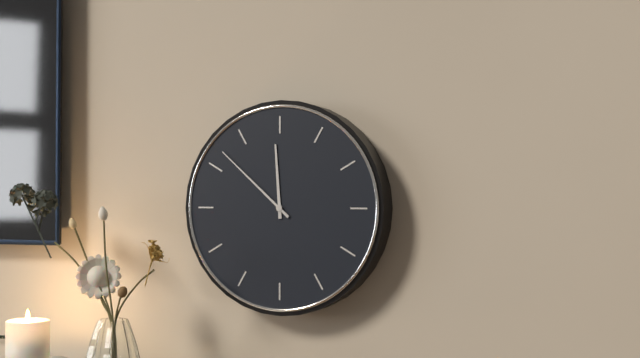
11:52
